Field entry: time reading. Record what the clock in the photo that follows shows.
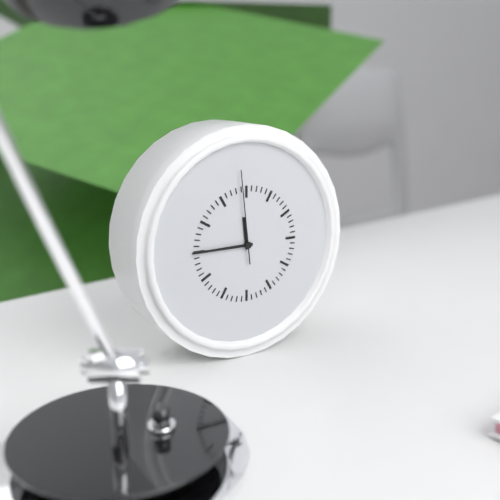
11:45:59
